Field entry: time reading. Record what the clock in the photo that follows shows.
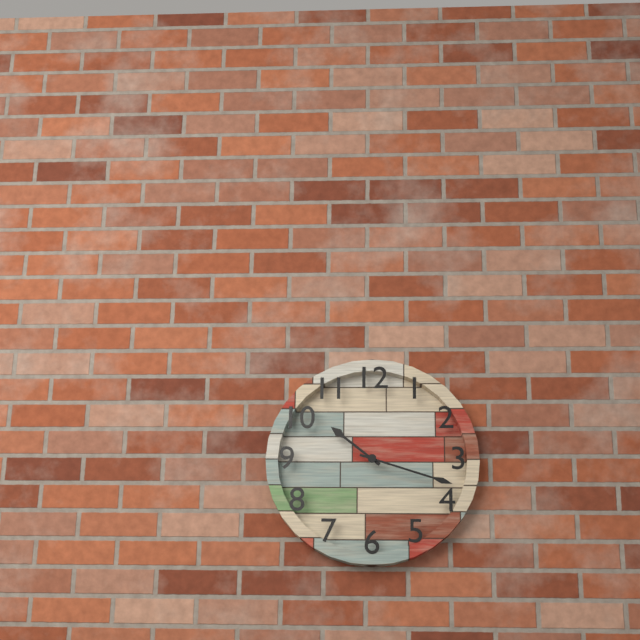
10:18
